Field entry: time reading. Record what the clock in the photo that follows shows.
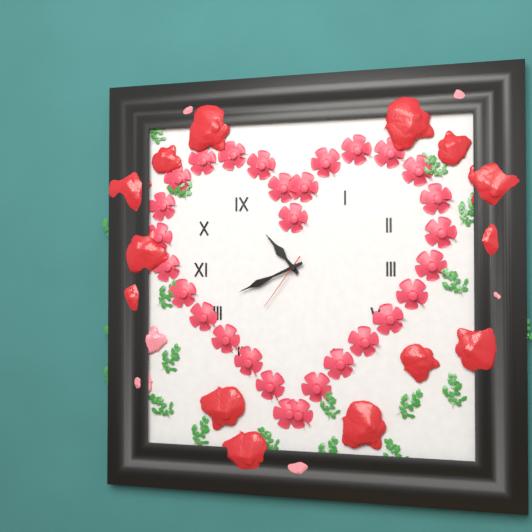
10:41:36
